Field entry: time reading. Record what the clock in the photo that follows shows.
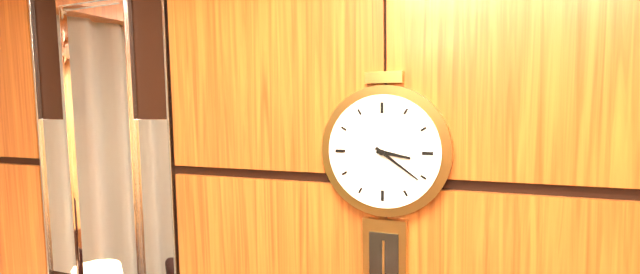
3:21
